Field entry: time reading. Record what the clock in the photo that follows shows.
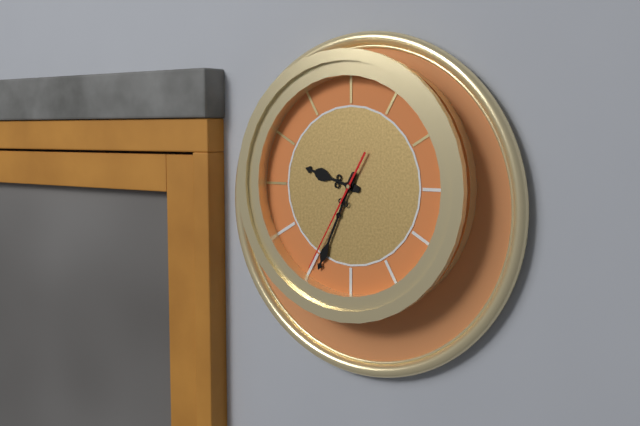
9:34:35
